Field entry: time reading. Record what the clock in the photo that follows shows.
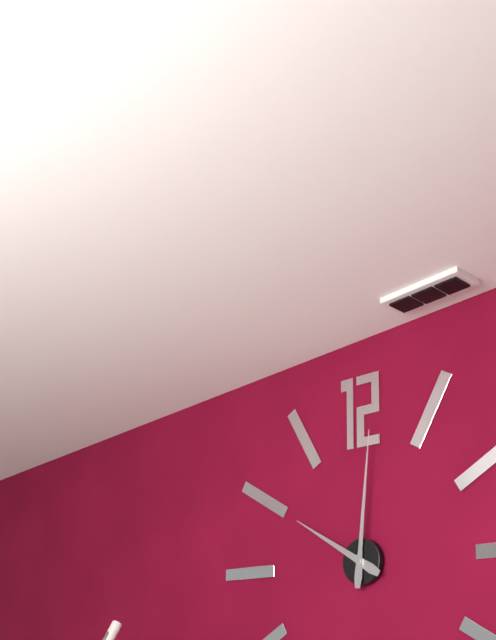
10:01
